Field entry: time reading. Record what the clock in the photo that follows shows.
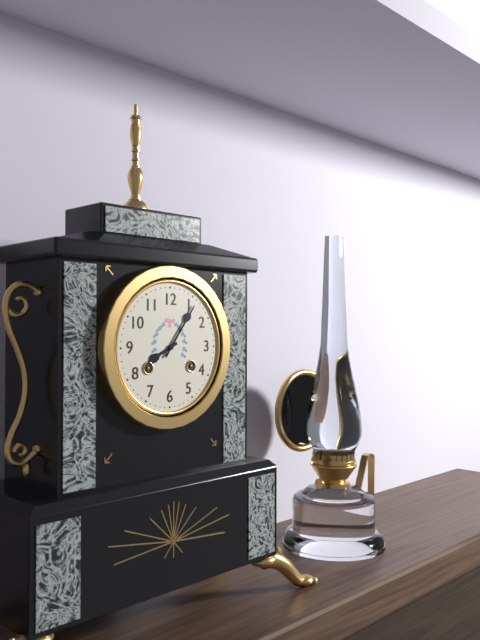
8:06
